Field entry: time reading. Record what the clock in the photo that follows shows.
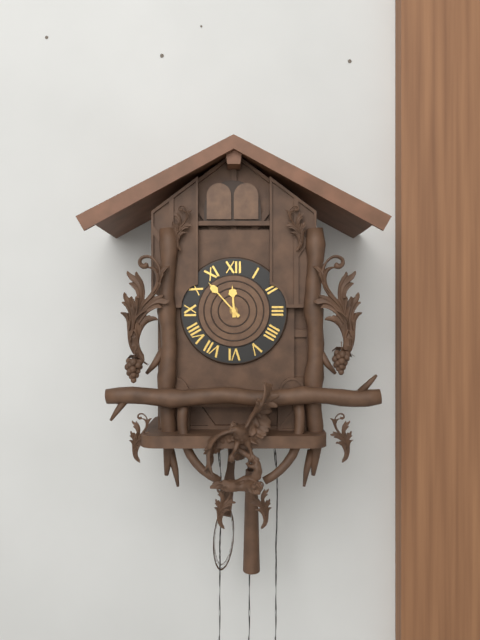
11:53
